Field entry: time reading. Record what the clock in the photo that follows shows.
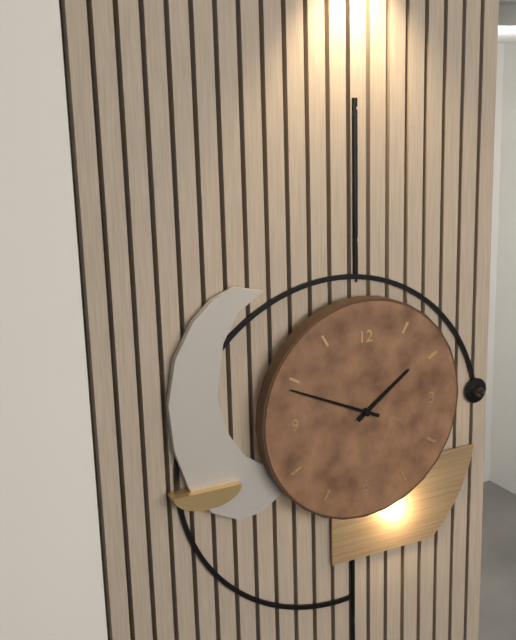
1:49
